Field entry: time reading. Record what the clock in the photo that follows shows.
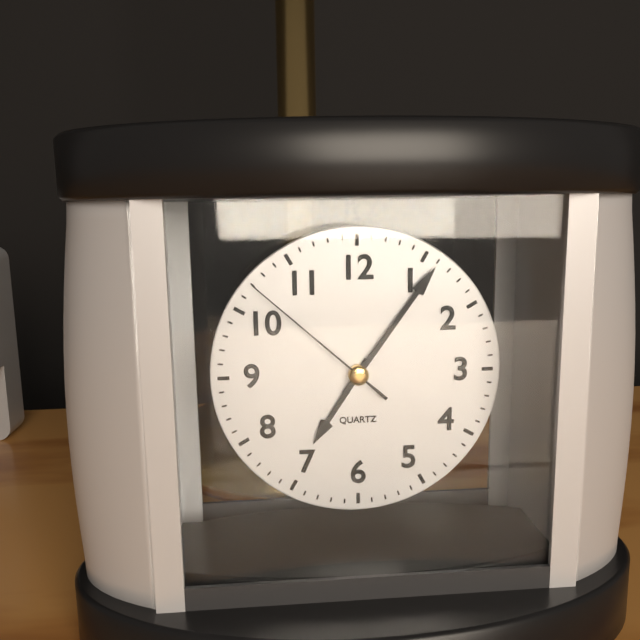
7:06:52
